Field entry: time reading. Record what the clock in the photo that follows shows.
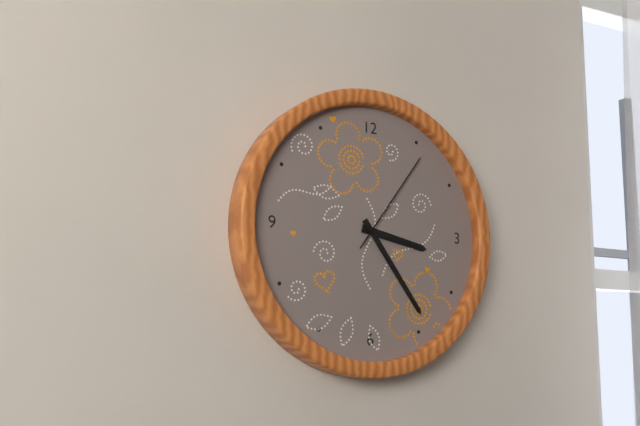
3:24:06
